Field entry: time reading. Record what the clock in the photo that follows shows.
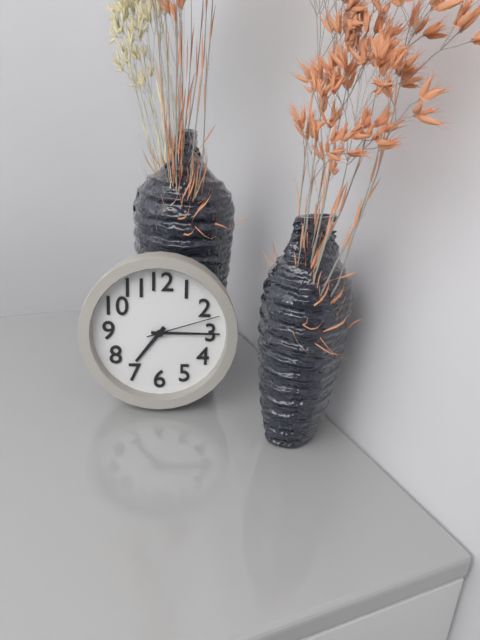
7:15:12
